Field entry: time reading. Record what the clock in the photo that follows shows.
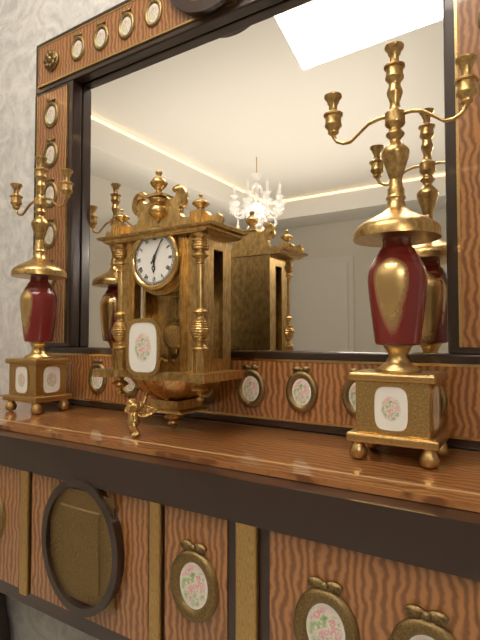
6:05
